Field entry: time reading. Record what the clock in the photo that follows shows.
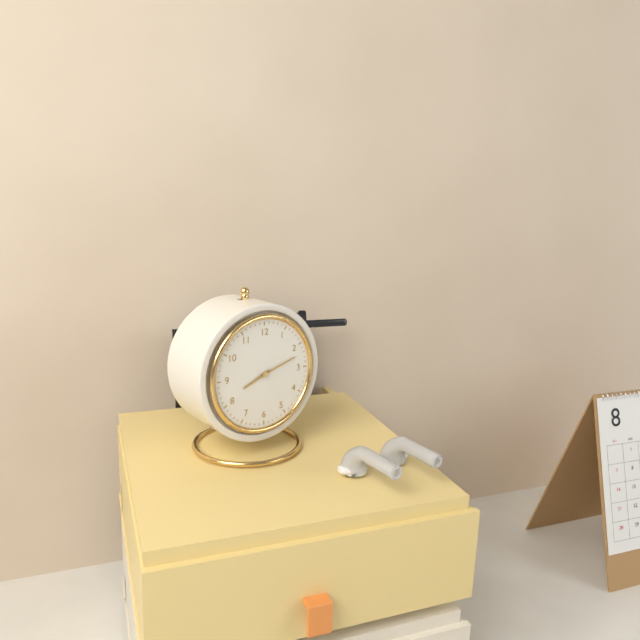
8:12
